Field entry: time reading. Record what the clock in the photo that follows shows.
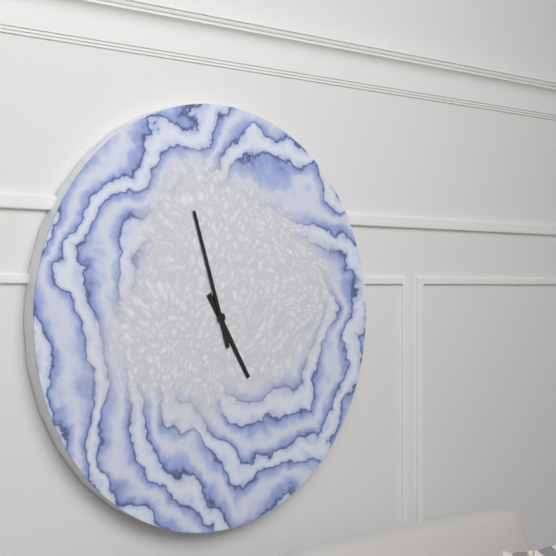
4:57
